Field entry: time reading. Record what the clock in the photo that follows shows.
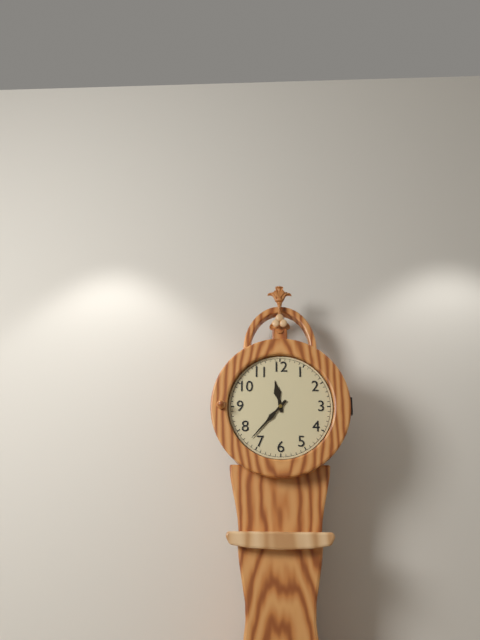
11:37
